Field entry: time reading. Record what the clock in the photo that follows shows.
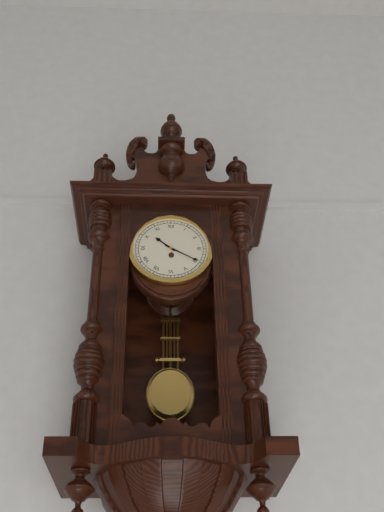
10:20
